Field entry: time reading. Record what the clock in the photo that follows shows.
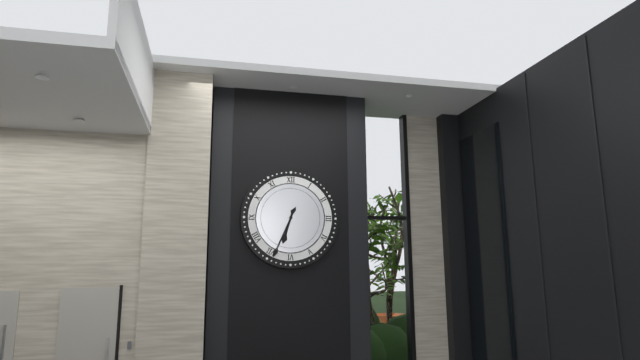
6:34
